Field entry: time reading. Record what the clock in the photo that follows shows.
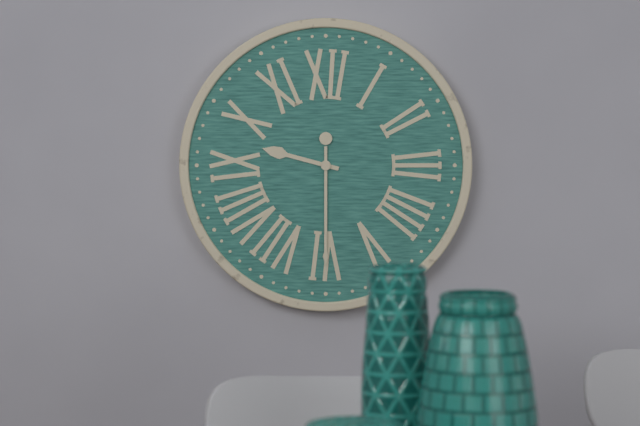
9:30
